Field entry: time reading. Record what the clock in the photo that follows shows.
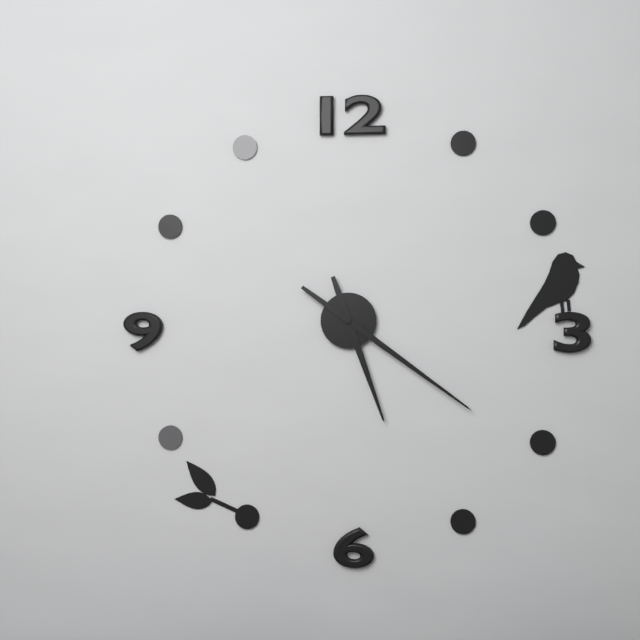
5:21
